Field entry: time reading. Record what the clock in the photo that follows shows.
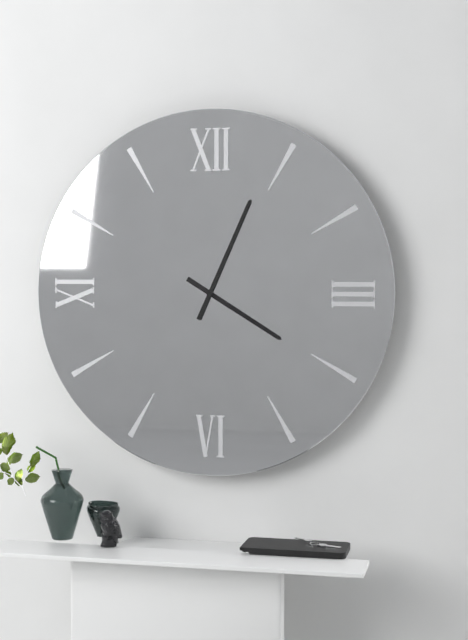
4:04
